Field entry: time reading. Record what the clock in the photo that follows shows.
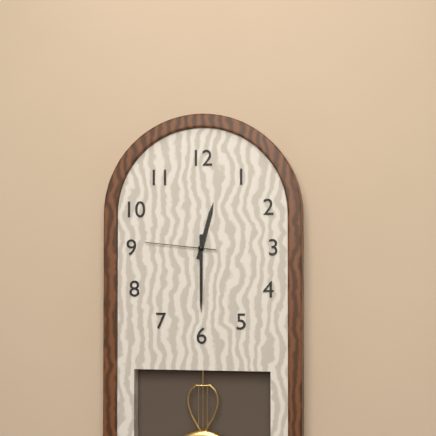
12:30:46
